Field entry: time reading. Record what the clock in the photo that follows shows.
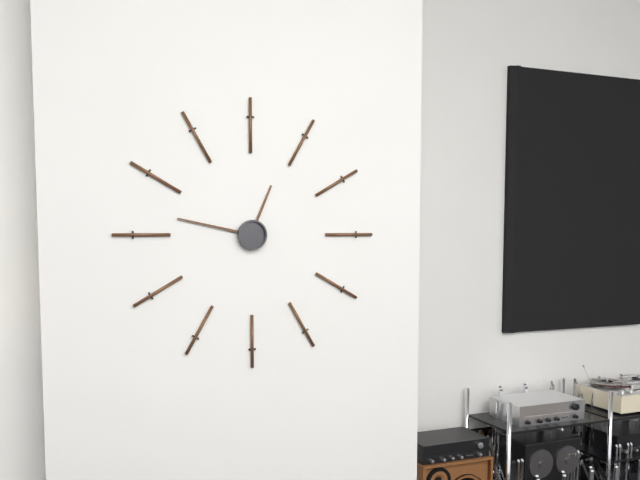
12:47
